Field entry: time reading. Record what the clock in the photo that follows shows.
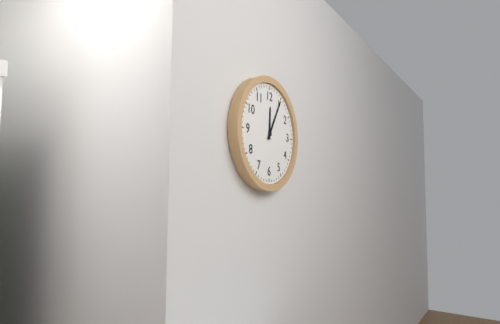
12:05
